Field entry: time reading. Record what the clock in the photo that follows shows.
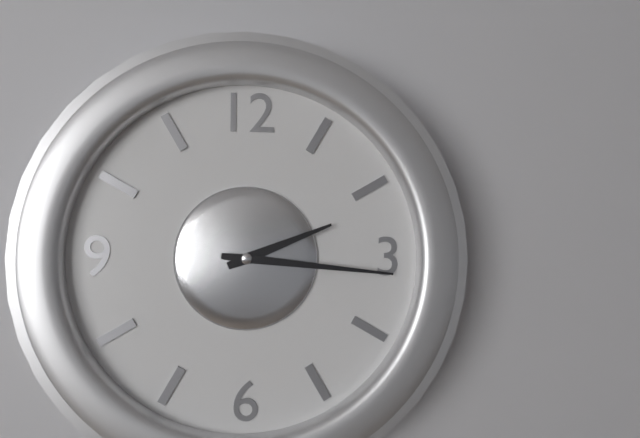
2:16
